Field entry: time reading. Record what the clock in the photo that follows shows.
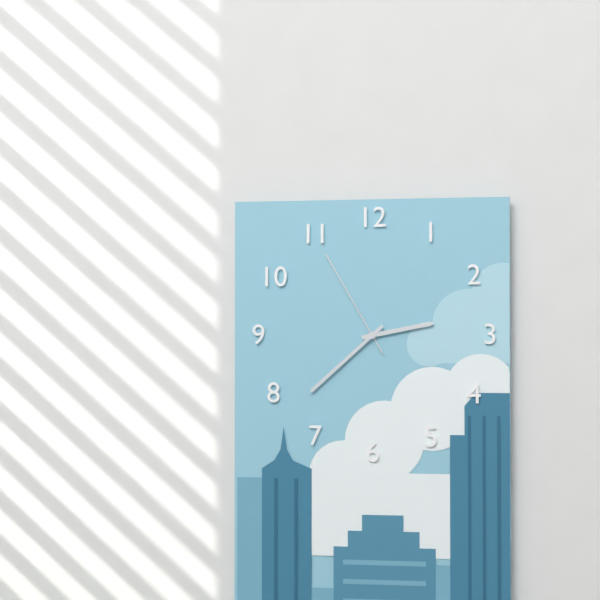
2:38:55
